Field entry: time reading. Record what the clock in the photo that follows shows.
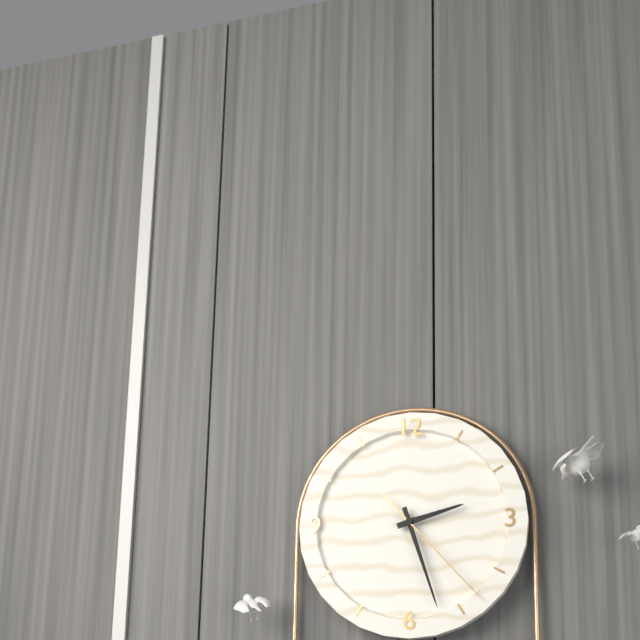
2:27:23
